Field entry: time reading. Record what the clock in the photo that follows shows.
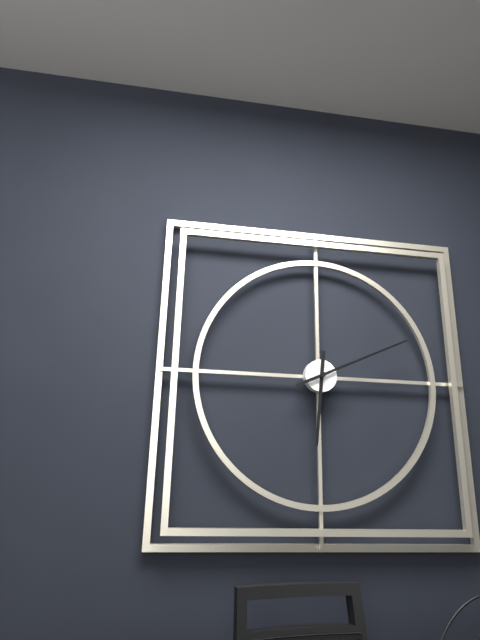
6:11
